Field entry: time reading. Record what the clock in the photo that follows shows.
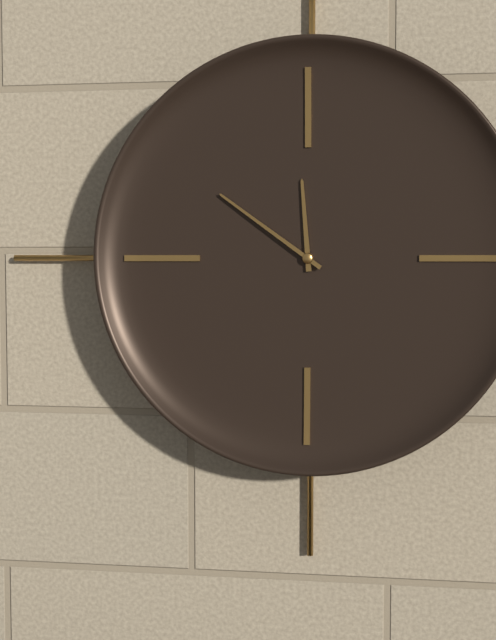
11:51
